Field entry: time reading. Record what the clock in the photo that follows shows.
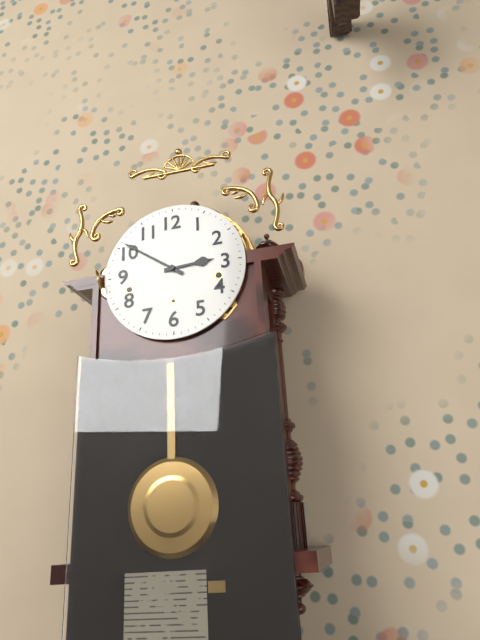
2:51
